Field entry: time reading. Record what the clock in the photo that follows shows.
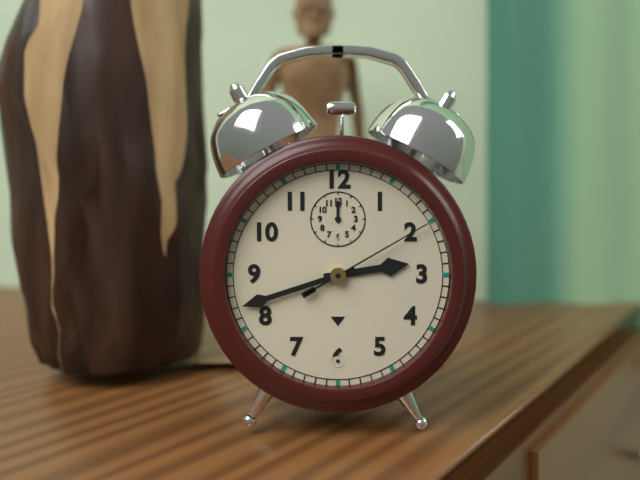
2:42:10
